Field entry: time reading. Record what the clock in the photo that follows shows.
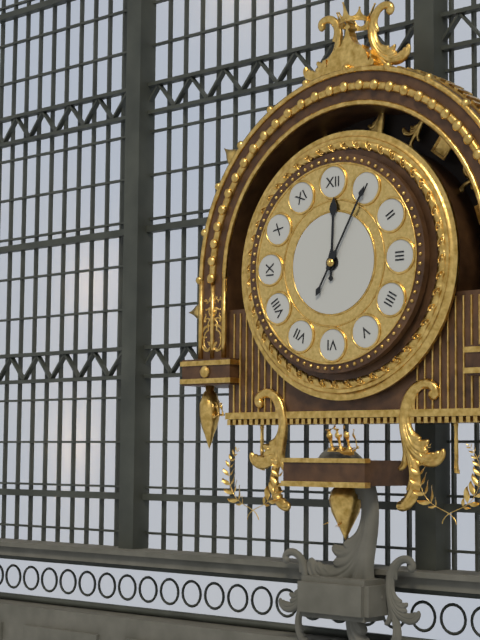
12:05
